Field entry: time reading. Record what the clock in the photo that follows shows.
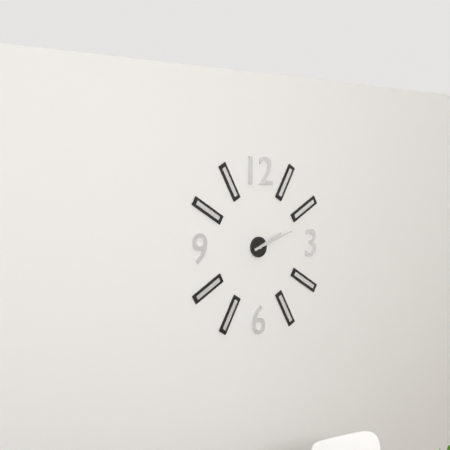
2:12
